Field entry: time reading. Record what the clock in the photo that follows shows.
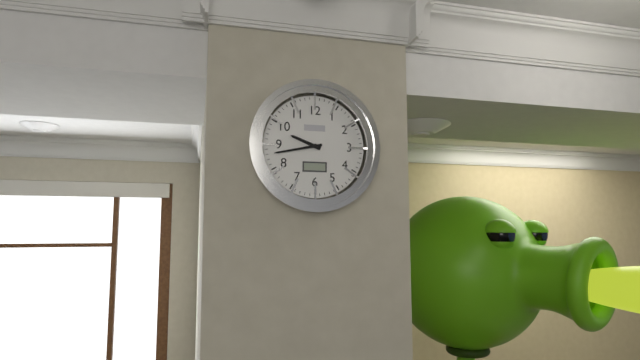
9:43
